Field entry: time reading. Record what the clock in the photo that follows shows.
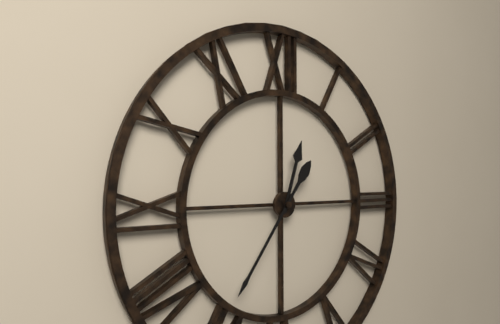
12:36
